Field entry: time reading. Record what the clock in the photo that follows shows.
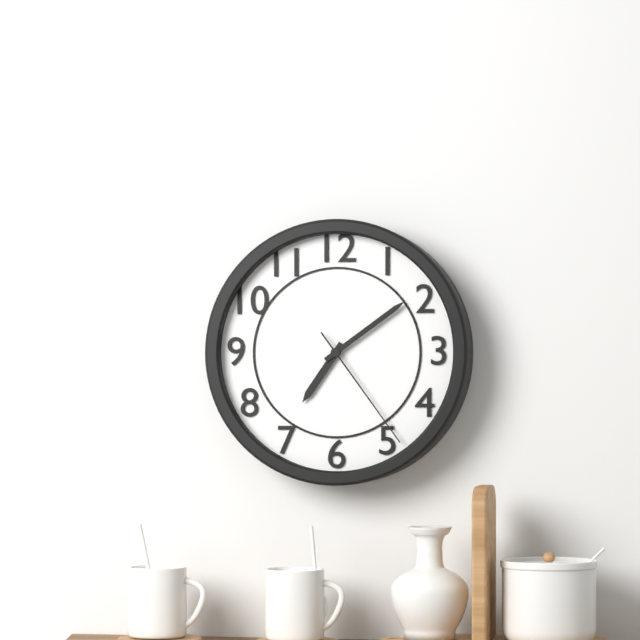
7:09:24
